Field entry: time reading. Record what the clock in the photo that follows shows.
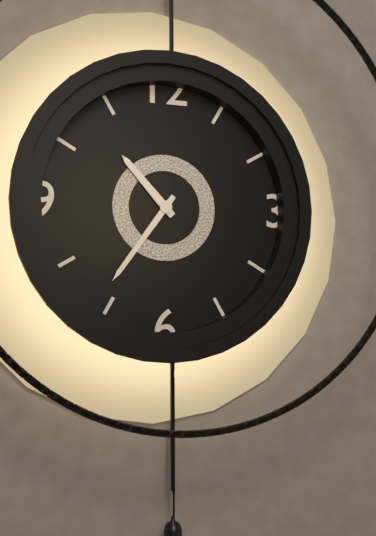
10:36
